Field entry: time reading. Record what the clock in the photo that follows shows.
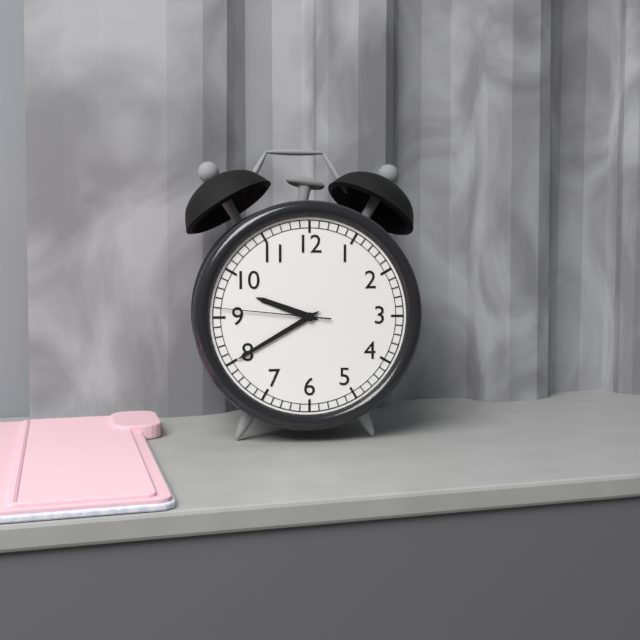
9:40:46
